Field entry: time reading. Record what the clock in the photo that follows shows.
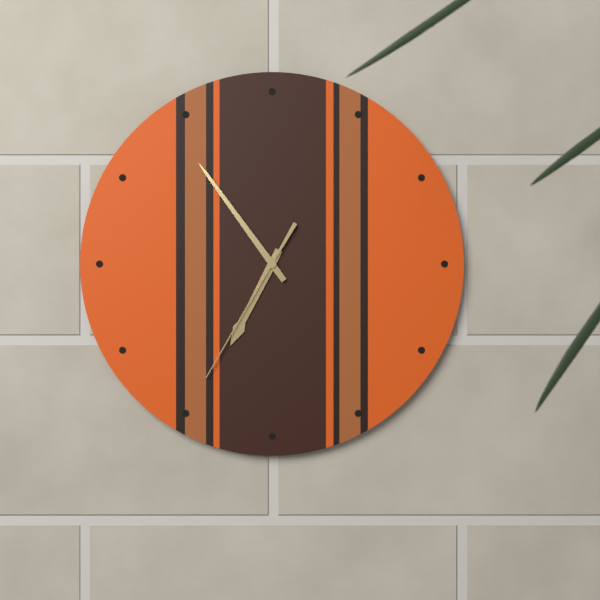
6:54:35
